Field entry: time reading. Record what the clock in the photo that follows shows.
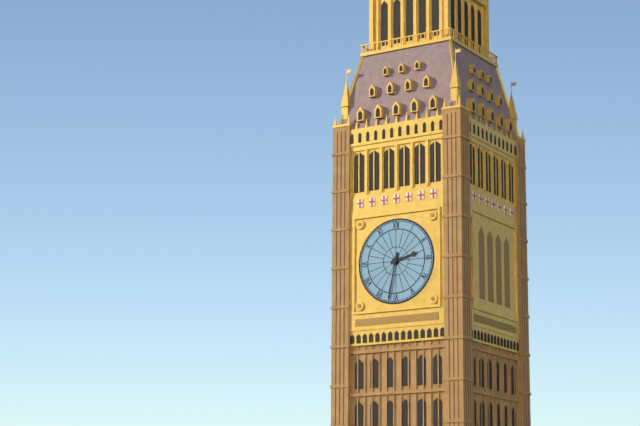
2:32
